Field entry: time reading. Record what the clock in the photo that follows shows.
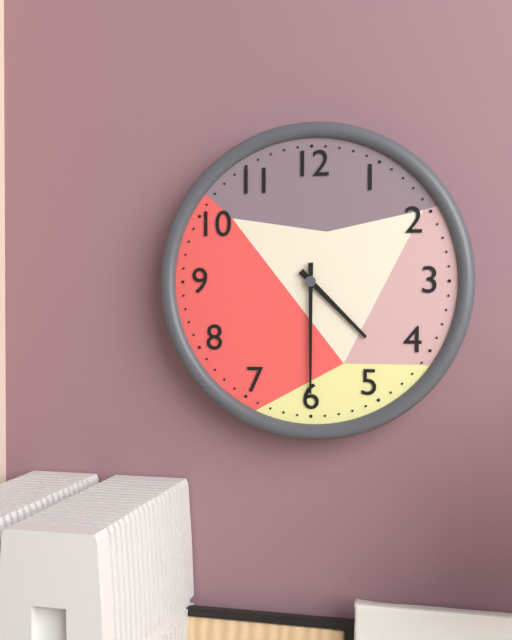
4:30
